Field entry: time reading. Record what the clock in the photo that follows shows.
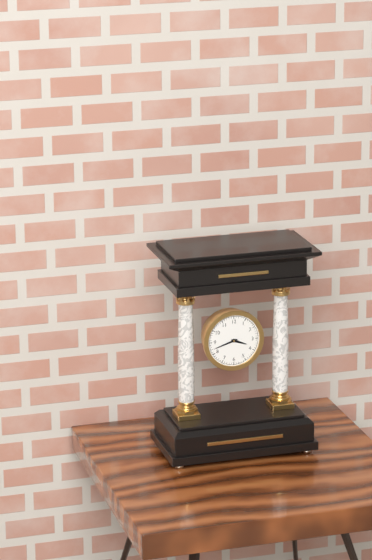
3:42
